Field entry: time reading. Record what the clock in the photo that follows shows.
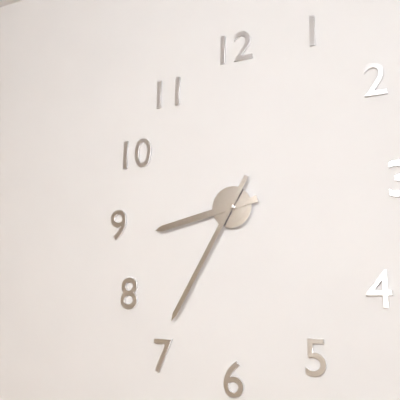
8:35
